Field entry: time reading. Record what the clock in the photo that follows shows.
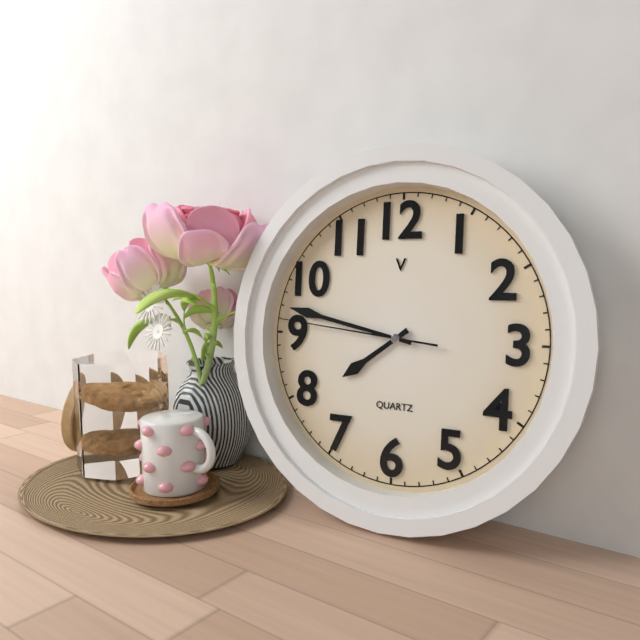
7:47:46
